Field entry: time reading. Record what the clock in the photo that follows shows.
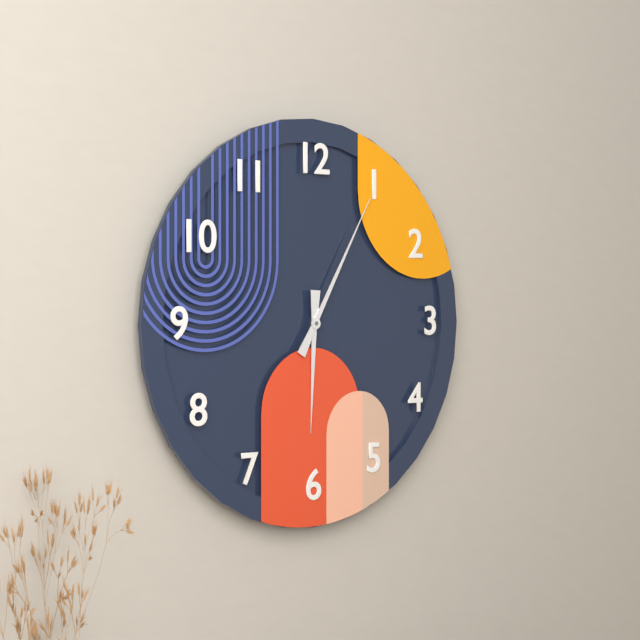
6:05
